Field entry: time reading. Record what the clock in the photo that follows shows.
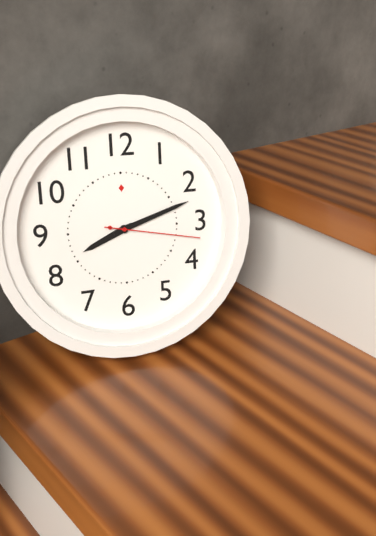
8:12:17
